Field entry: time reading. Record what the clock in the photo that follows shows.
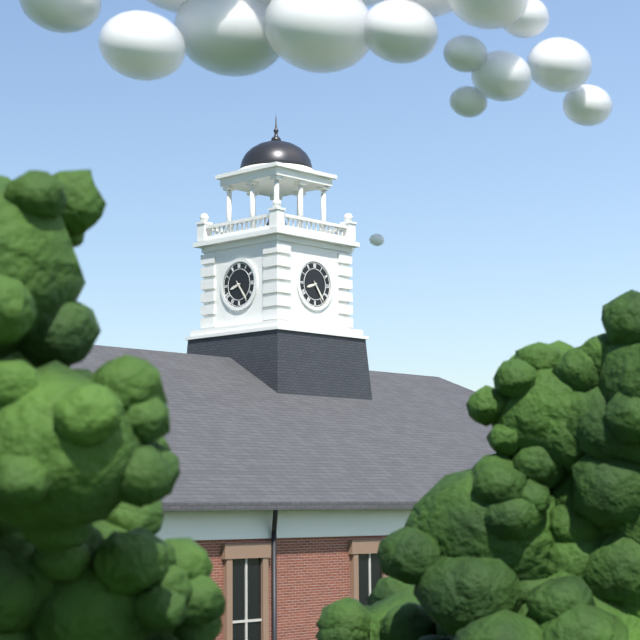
8:24
